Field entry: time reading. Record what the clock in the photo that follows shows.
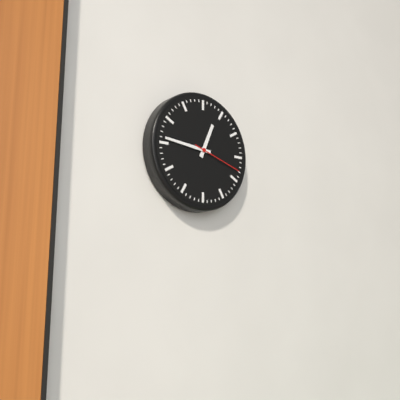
12:46:18
